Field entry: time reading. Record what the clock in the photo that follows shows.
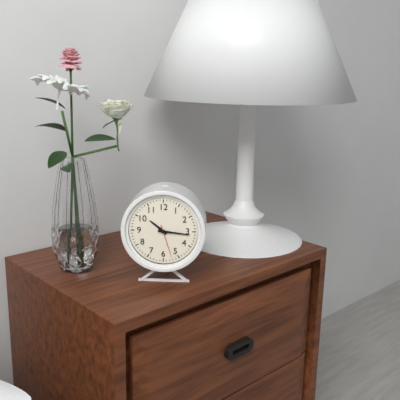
10:16
